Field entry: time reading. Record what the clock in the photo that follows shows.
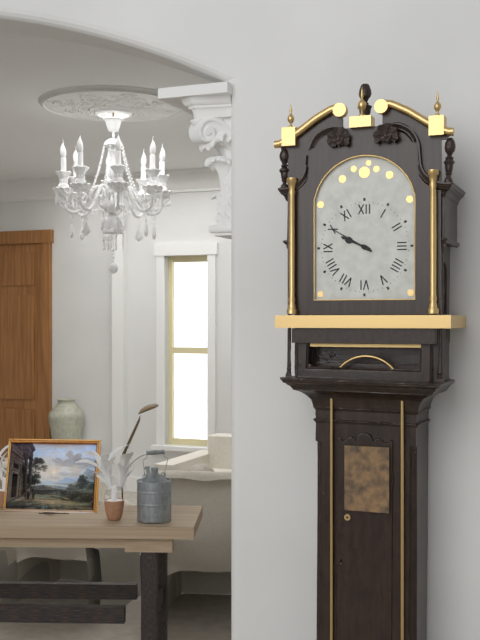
9:50
